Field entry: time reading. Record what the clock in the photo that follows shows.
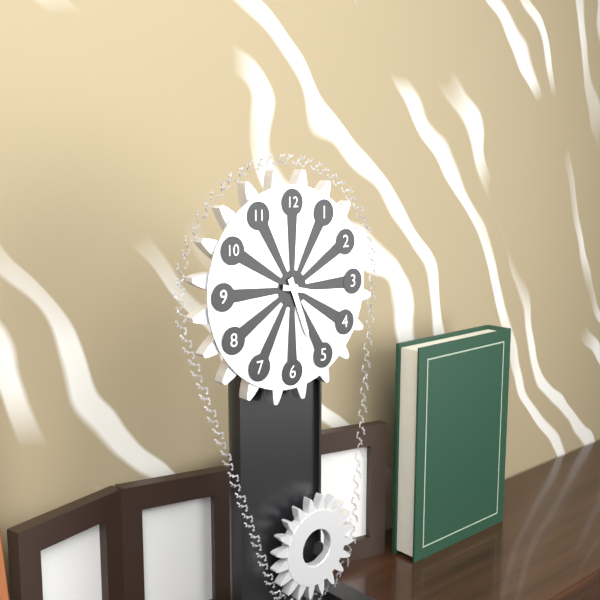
5:17
